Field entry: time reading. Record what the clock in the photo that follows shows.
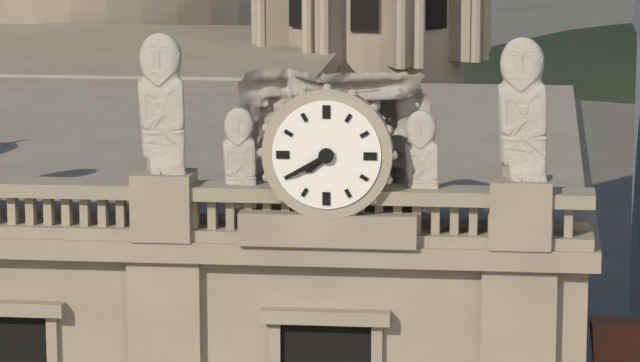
7:40
